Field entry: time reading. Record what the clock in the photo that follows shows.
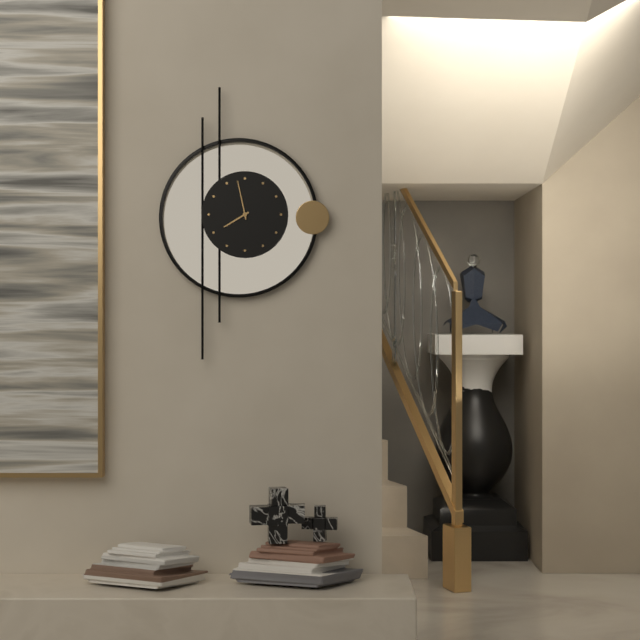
7:58
